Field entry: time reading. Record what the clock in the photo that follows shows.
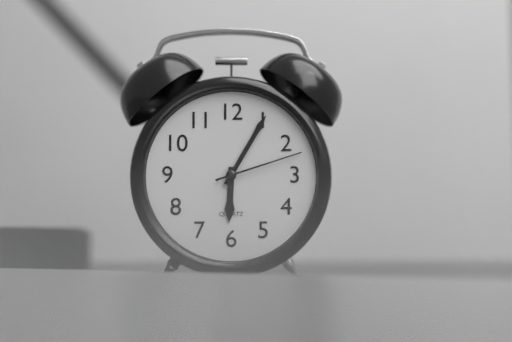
6:05:12
